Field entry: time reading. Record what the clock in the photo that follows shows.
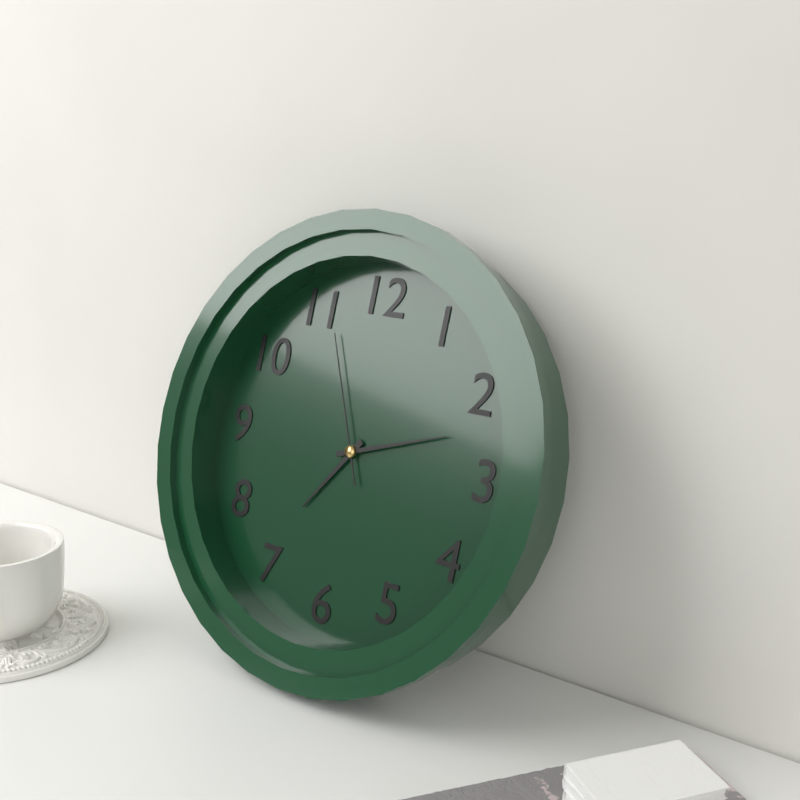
7:12:56
